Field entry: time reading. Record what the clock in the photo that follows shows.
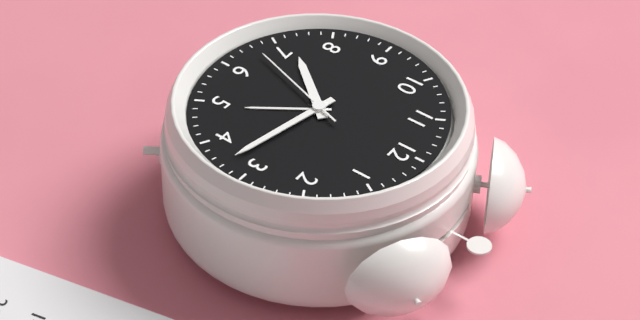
7:17:33
